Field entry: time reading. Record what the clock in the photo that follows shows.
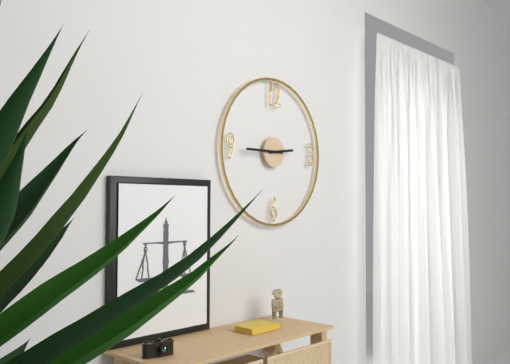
2:45
